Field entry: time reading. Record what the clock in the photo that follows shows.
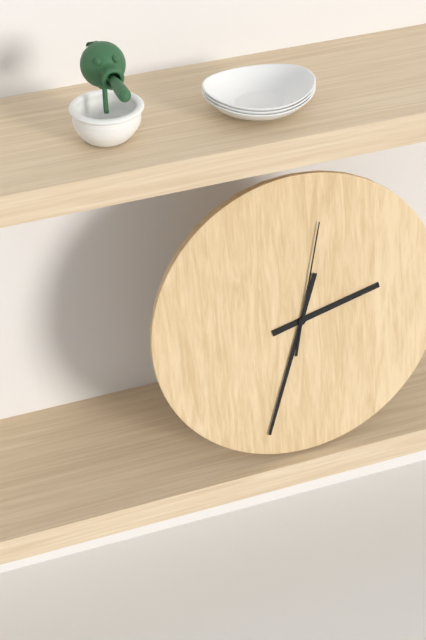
2:33:02
